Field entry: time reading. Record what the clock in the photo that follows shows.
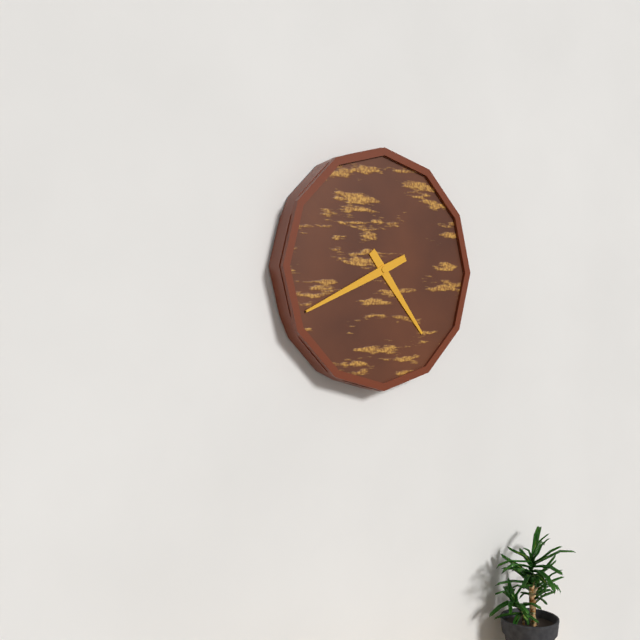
4:41
